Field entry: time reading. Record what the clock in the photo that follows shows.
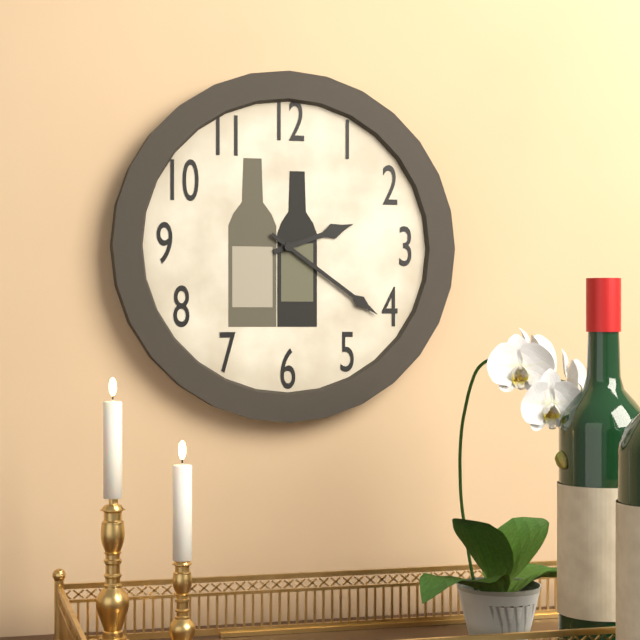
2:21
